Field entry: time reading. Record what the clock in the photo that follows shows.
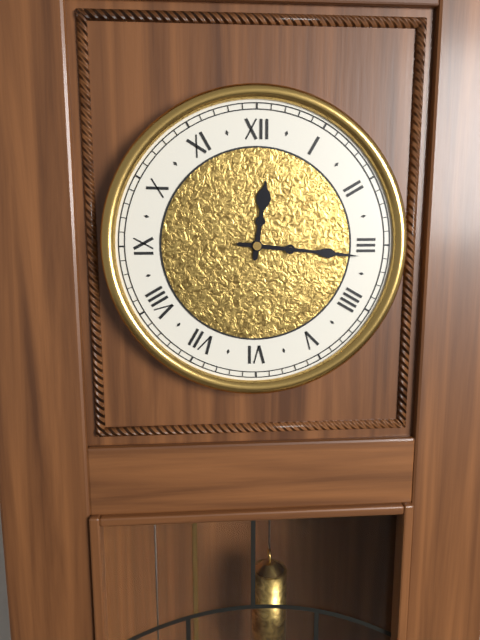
12:16
